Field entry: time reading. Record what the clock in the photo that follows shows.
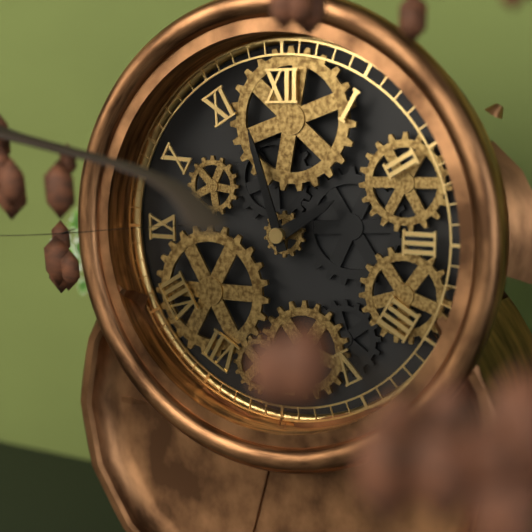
1:57
